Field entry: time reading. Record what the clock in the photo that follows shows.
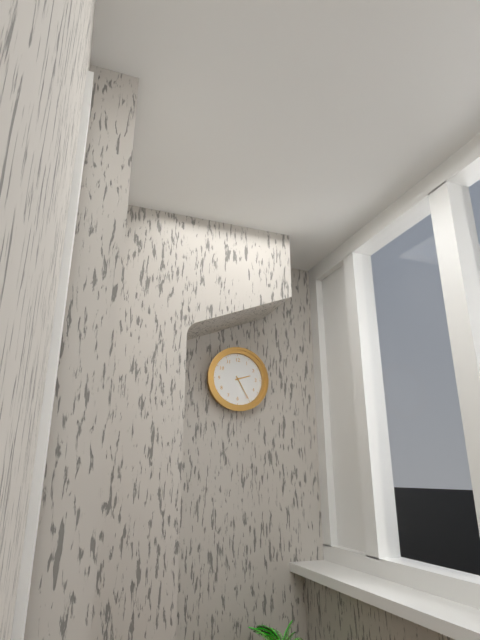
2:25
